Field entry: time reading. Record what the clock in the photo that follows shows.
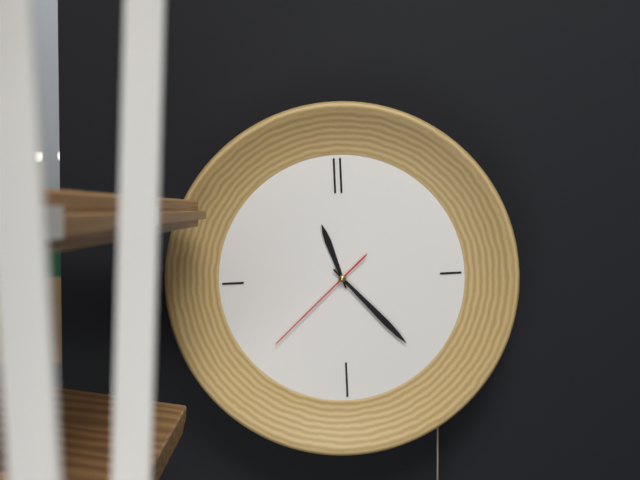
11:23:38
